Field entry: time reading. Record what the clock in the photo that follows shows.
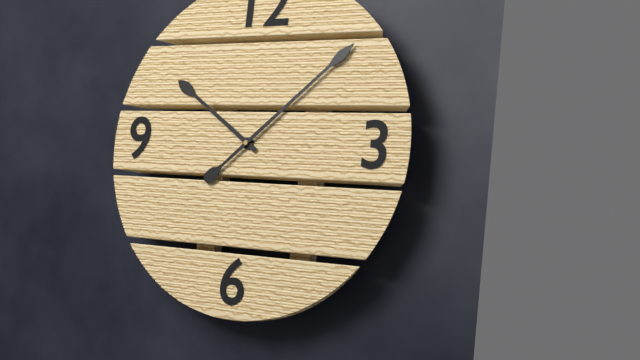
10:08
